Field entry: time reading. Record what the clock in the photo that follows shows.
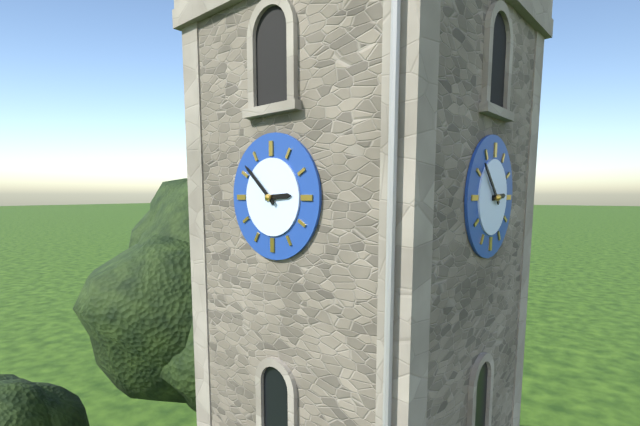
2:52
